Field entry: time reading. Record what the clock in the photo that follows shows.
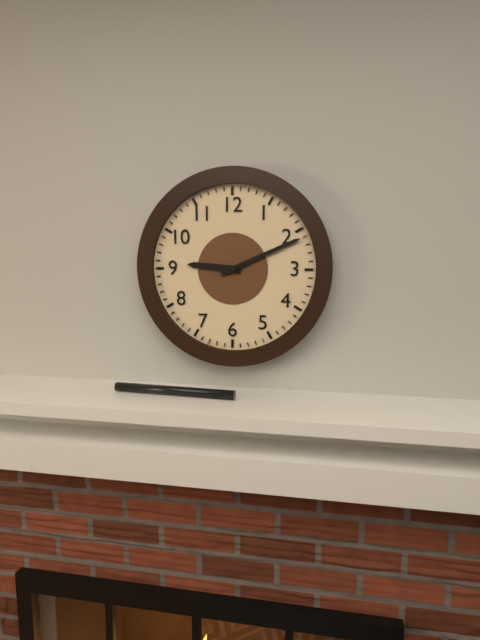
9:11
